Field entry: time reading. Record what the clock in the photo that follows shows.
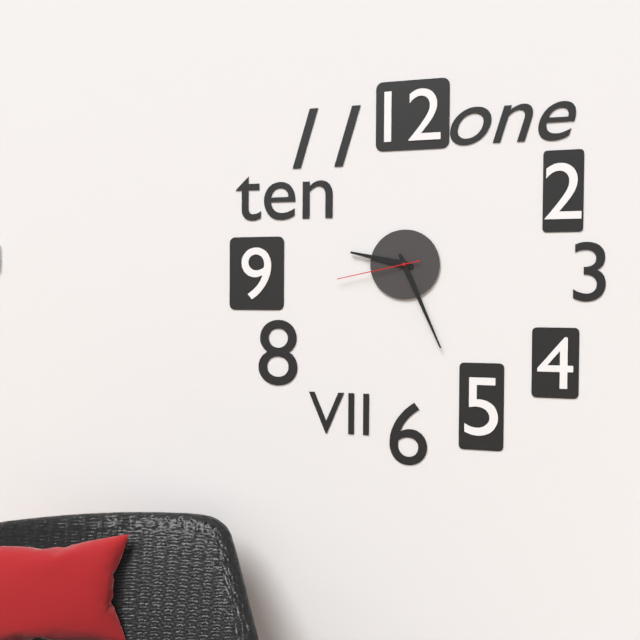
9:26:43
